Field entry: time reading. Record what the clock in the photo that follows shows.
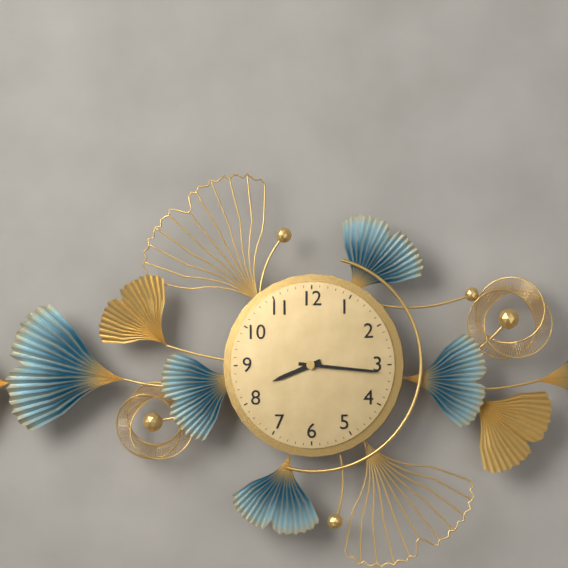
8:16
